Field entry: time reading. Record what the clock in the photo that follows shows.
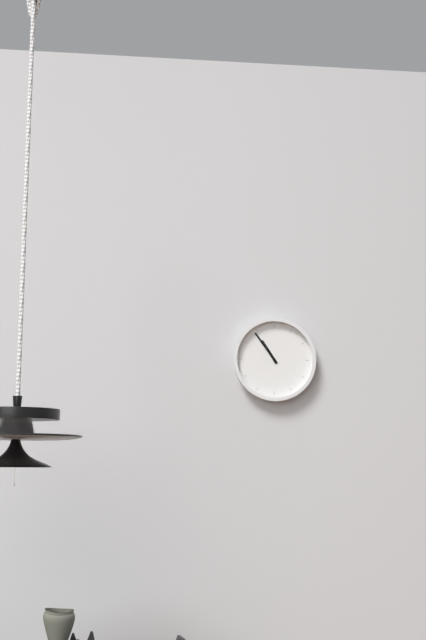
10:54
